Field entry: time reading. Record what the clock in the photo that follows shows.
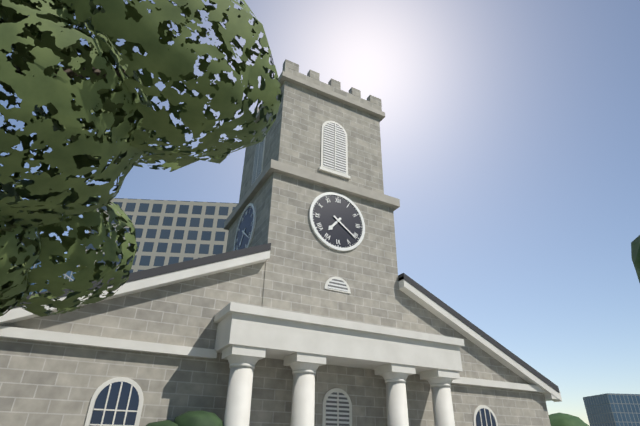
7:21
